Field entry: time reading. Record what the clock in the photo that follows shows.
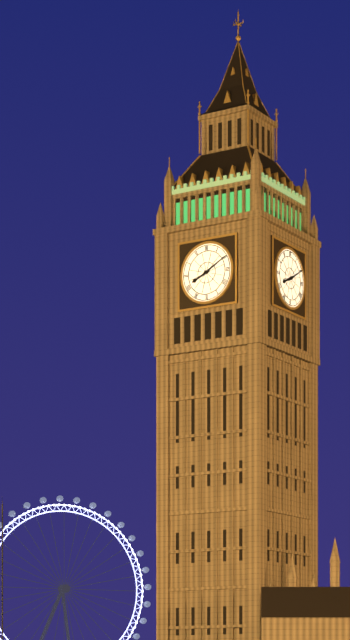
8:10
